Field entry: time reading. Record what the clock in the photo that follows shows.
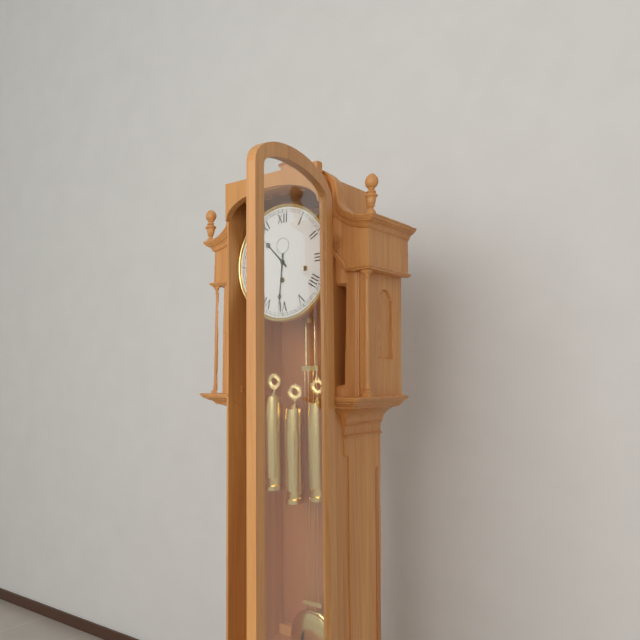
10:31
